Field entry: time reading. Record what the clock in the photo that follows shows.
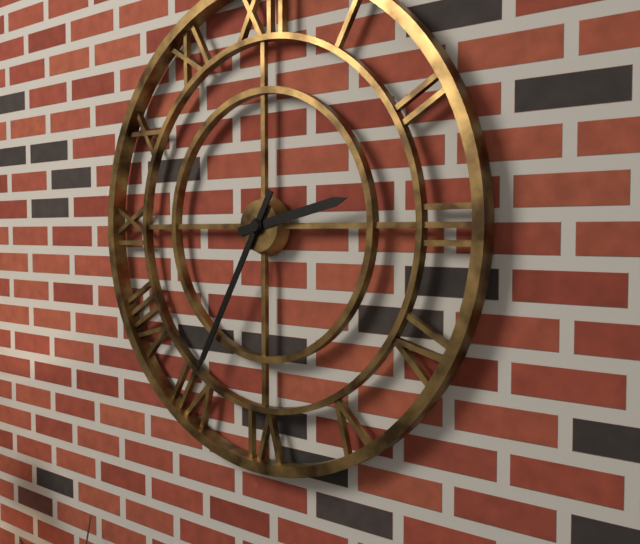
2:35
